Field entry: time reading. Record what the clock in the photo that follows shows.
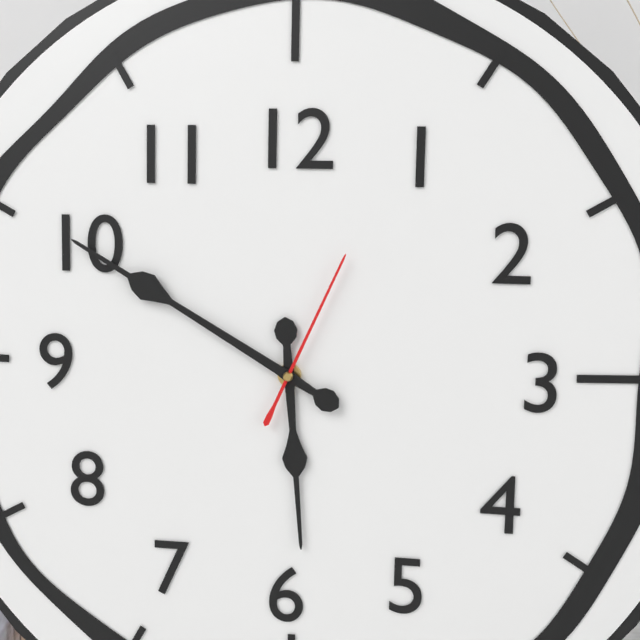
5:50:04
